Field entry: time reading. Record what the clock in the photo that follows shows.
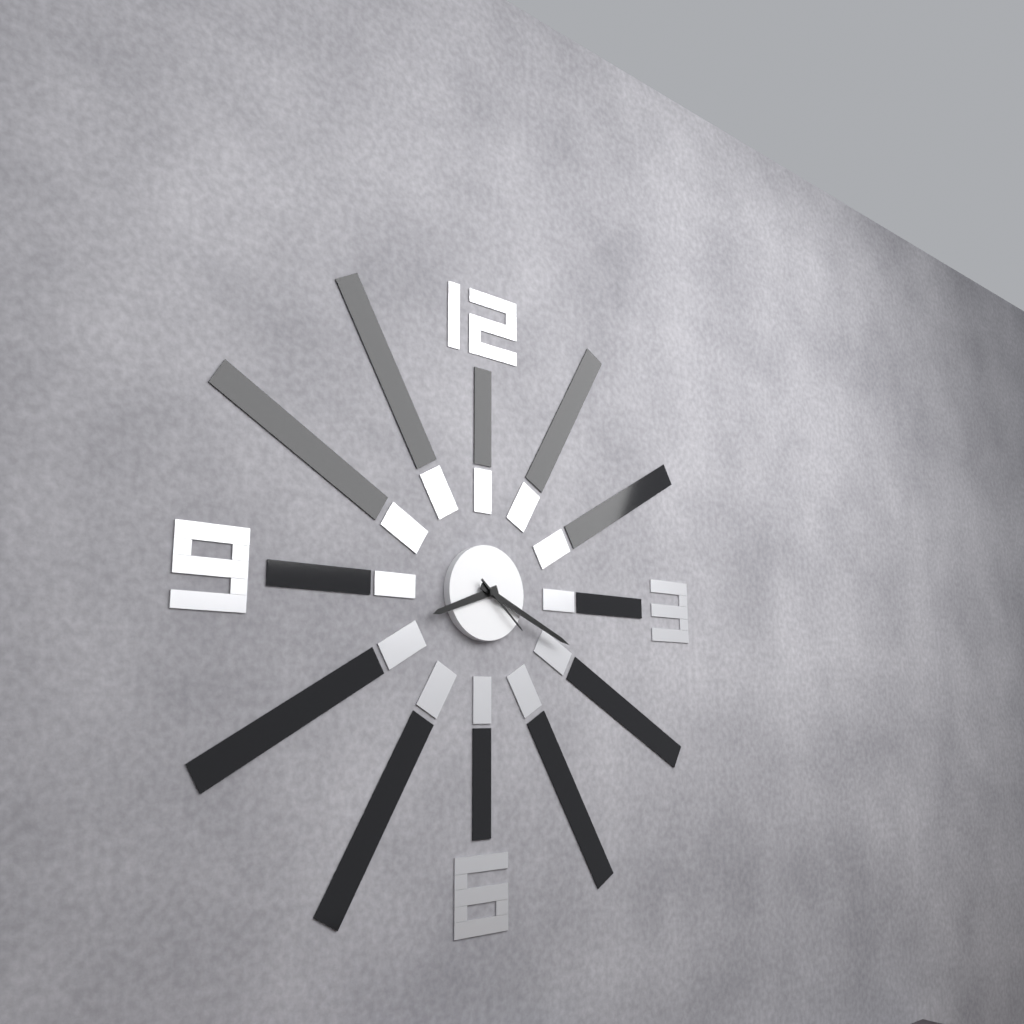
8:19:22
